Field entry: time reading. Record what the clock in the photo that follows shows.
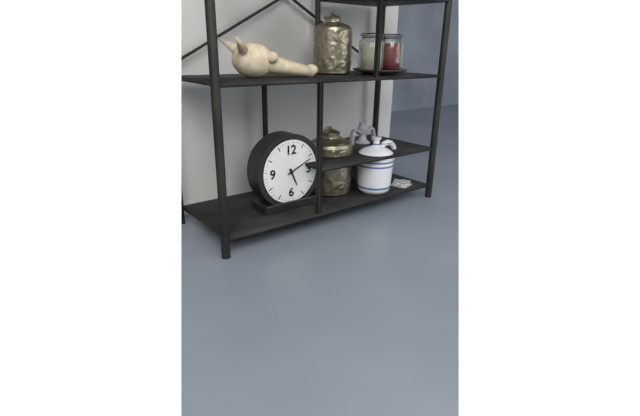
5:11
